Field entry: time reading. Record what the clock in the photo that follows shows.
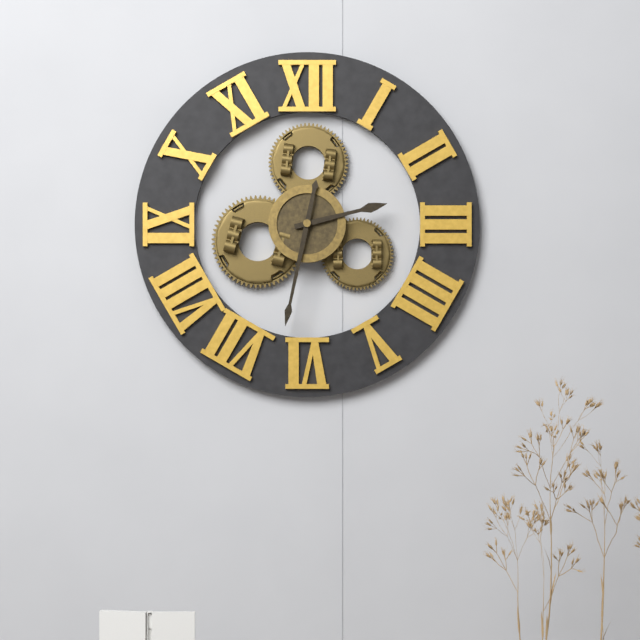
2:32
